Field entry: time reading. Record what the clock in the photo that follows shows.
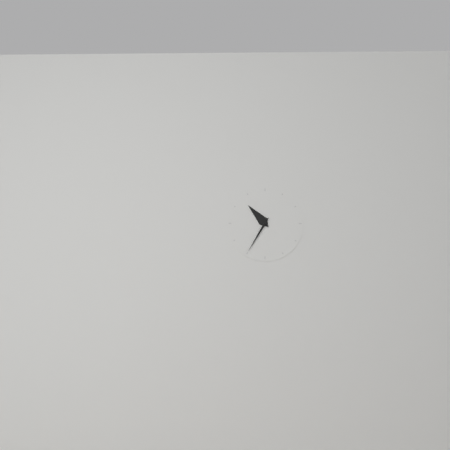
10:35
